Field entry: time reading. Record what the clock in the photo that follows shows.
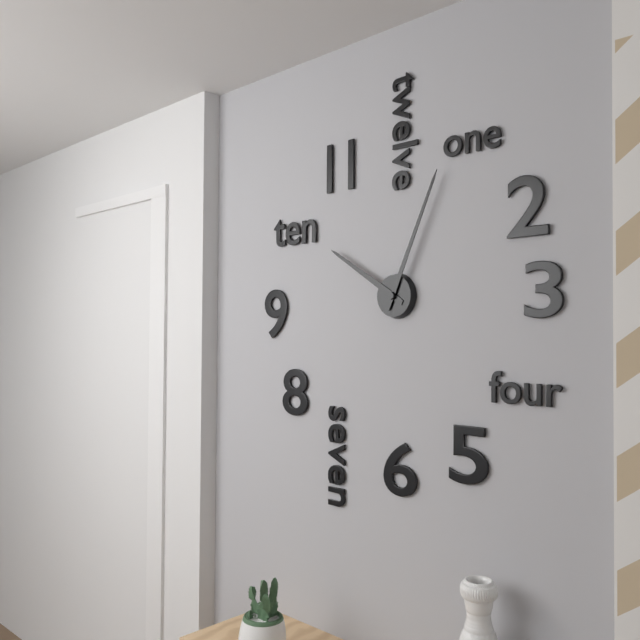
10:04
